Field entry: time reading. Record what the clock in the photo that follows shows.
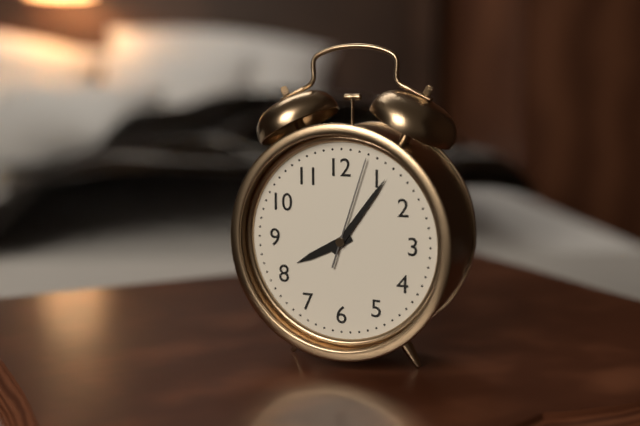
8:06:03
